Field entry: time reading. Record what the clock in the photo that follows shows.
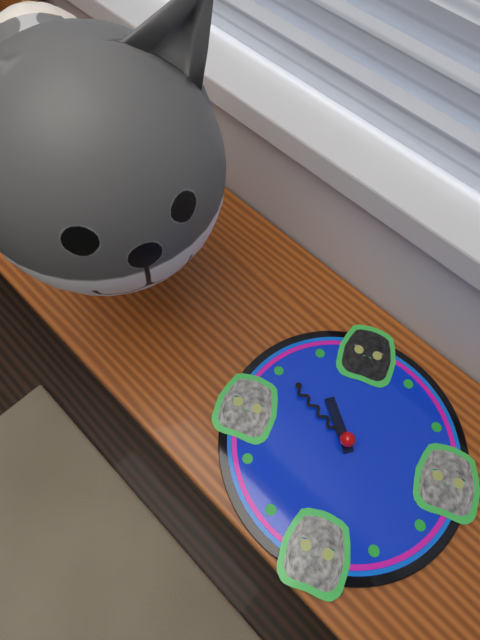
10:50
